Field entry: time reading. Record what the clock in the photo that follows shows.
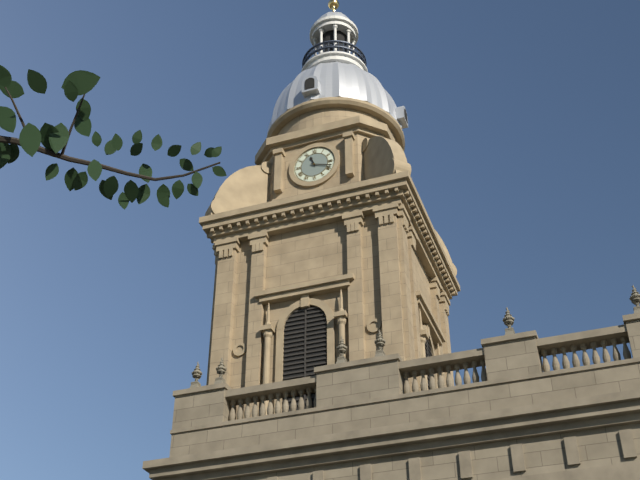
11:18
